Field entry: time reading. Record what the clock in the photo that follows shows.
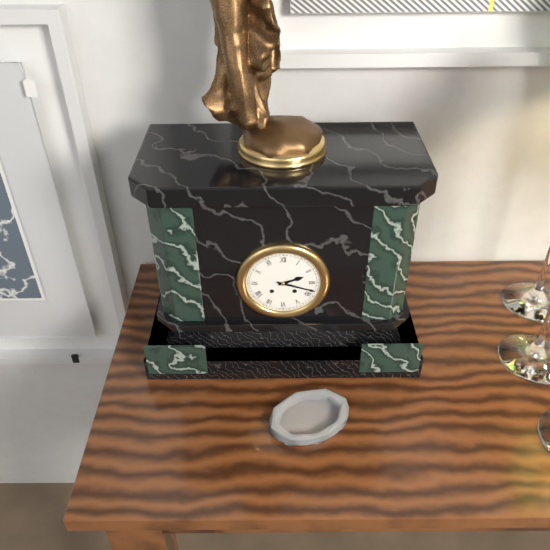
2:18
